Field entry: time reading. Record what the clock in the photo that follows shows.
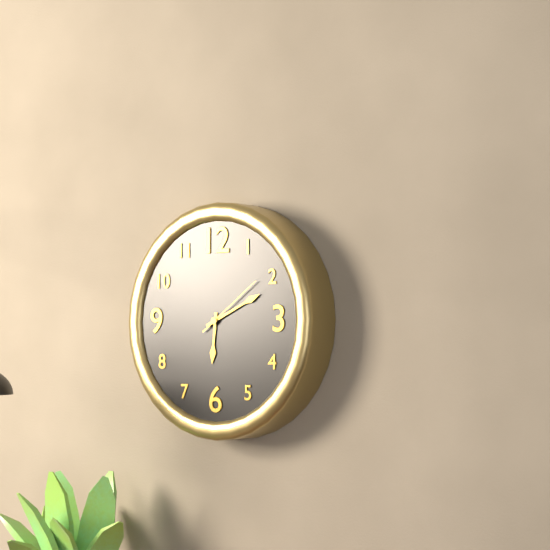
6:11:09
